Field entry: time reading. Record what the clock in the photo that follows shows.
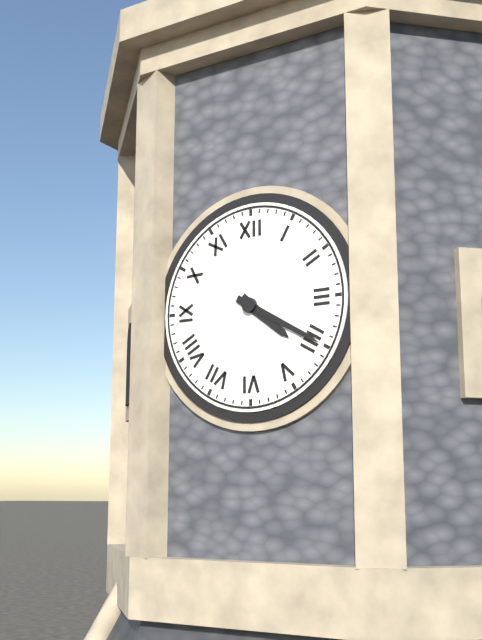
4:20
